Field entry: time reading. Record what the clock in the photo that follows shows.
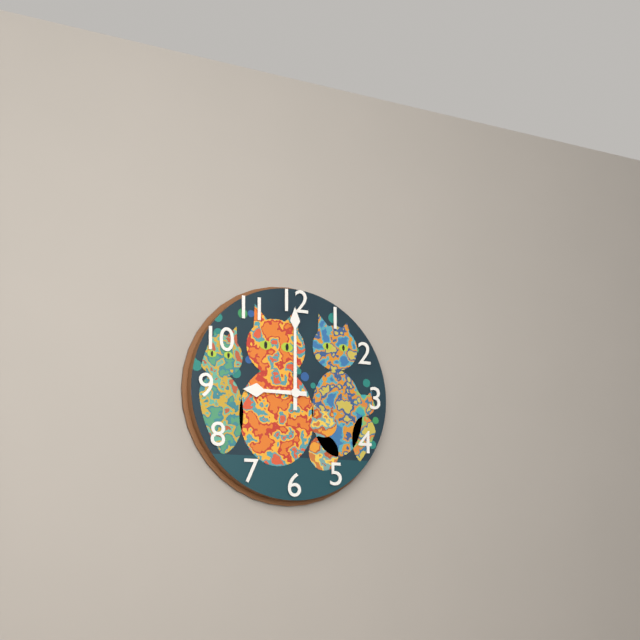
9:00
